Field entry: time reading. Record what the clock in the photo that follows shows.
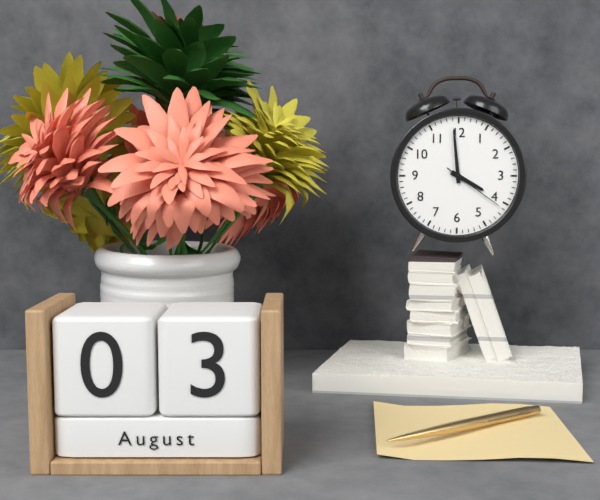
3:59:21
